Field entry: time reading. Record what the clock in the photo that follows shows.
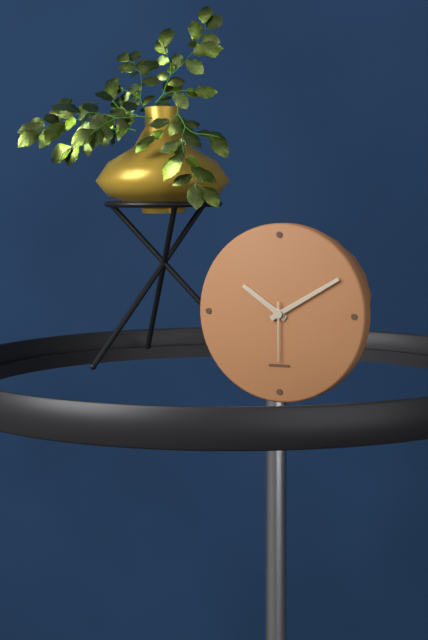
10:10:30
